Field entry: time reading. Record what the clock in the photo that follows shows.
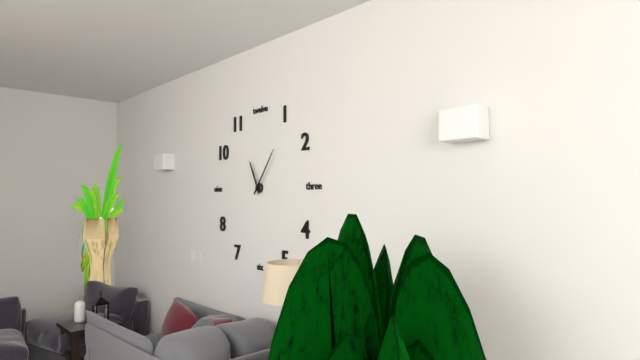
11:06
